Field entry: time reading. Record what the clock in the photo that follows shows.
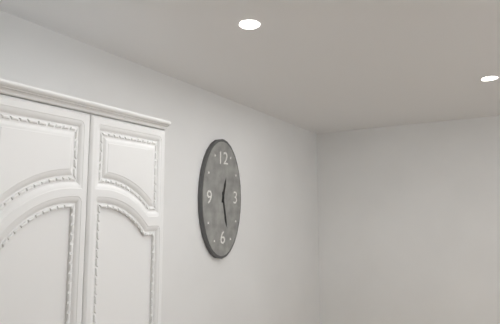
12:28
